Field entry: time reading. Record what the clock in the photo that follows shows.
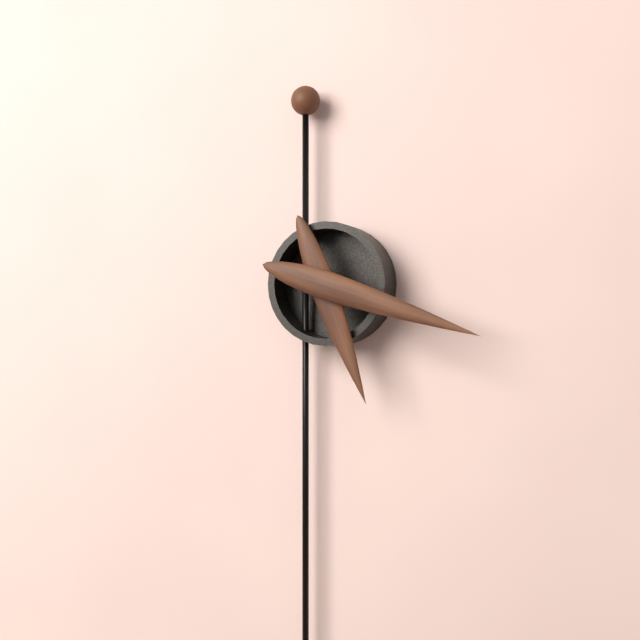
5:18
